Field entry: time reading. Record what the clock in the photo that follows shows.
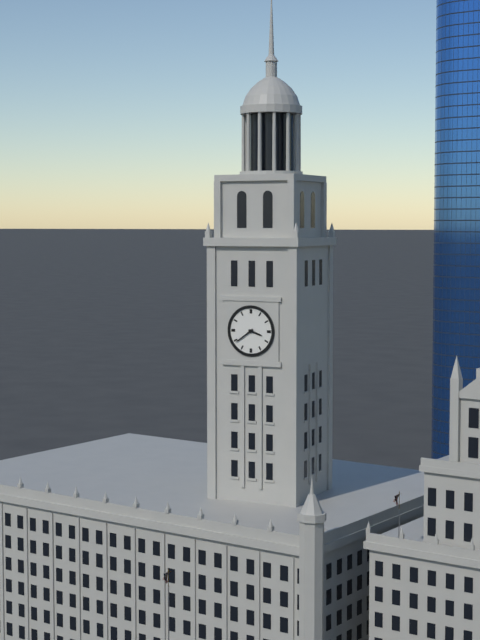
3:39
